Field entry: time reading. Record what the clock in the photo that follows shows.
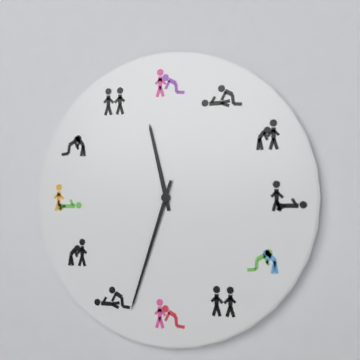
11:33
